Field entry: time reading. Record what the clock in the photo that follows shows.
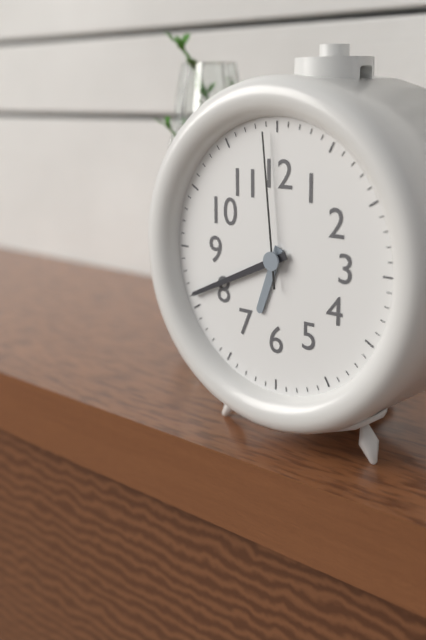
6:41:59
